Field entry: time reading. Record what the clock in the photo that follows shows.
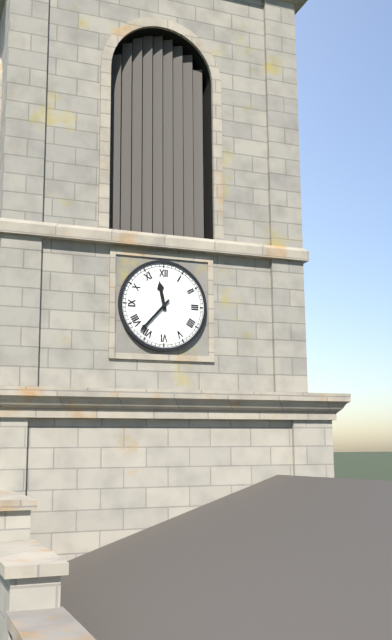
11:37
